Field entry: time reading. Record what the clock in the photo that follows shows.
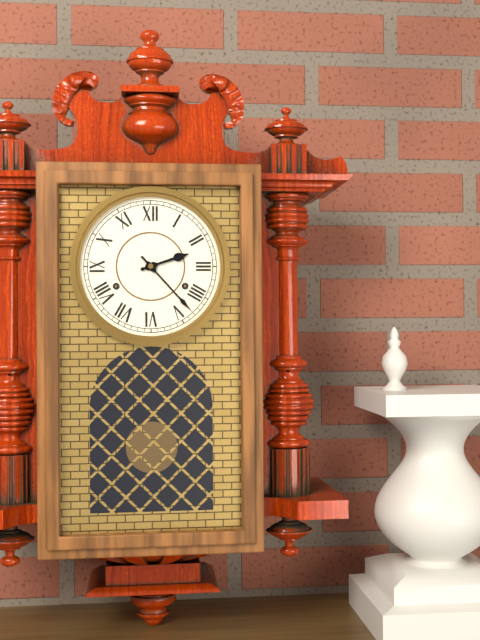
2:23
